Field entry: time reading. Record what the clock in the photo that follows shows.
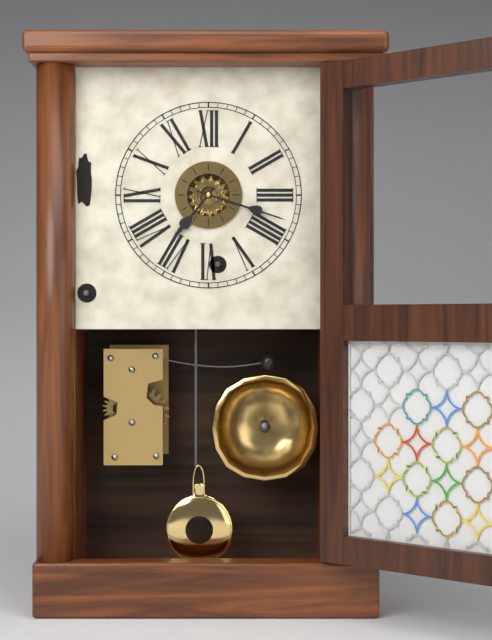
7:18
